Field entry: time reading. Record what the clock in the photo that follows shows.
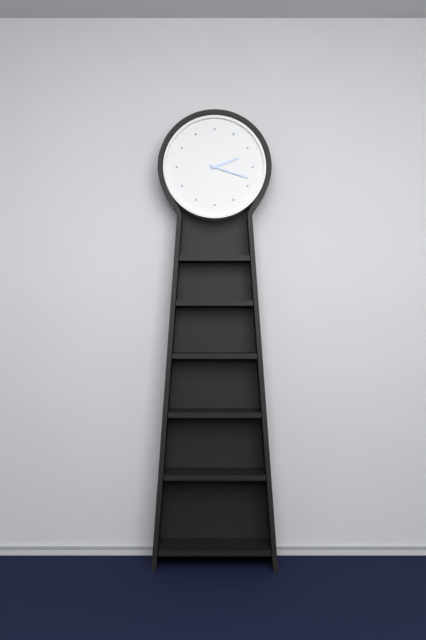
2:18
